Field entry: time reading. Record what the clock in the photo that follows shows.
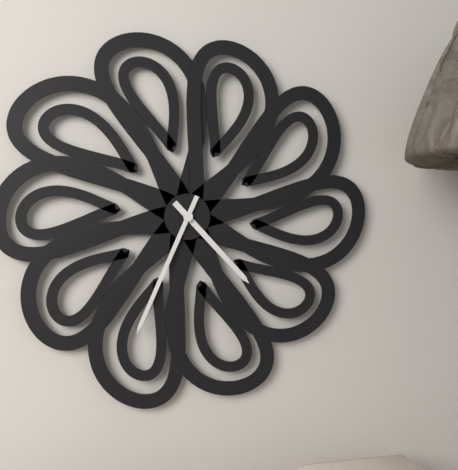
4:34
